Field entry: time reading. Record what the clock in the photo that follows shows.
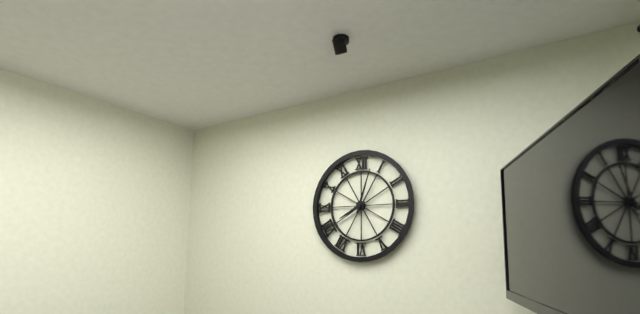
8:03
